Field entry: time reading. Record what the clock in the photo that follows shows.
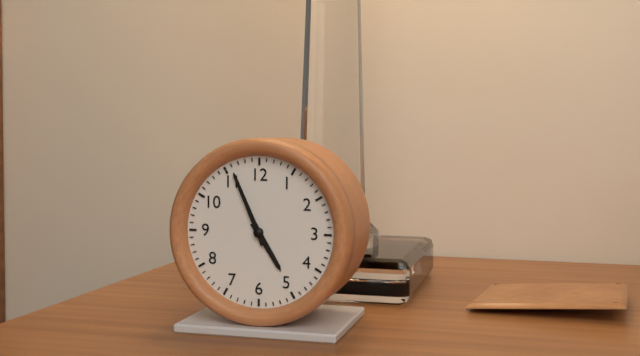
4:56
